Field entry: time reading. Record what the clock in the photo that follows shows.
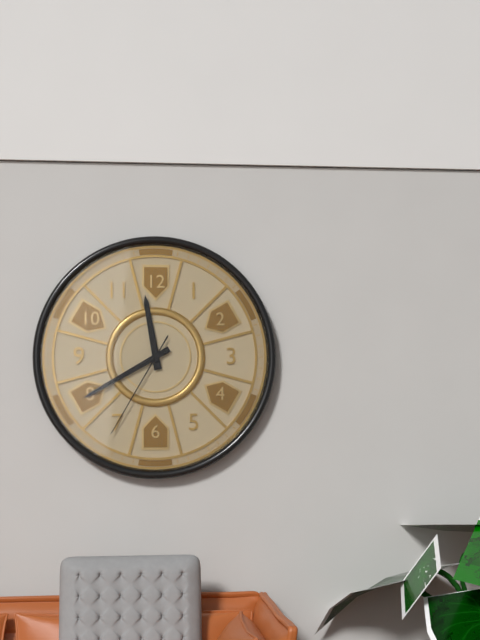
11:40:35
